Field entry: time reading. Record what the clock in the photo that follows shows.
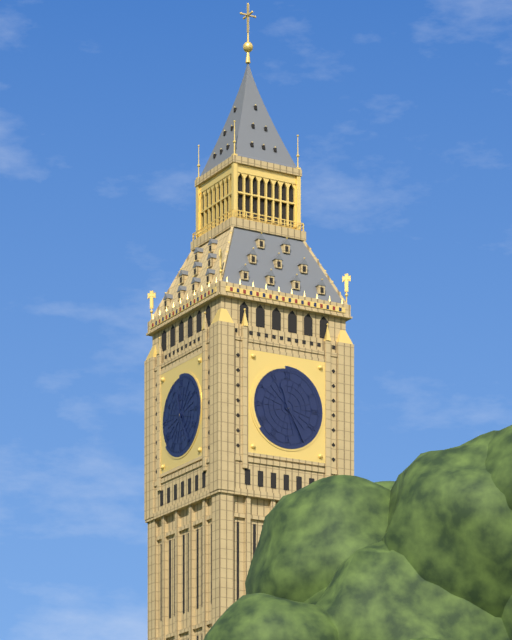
11:25
